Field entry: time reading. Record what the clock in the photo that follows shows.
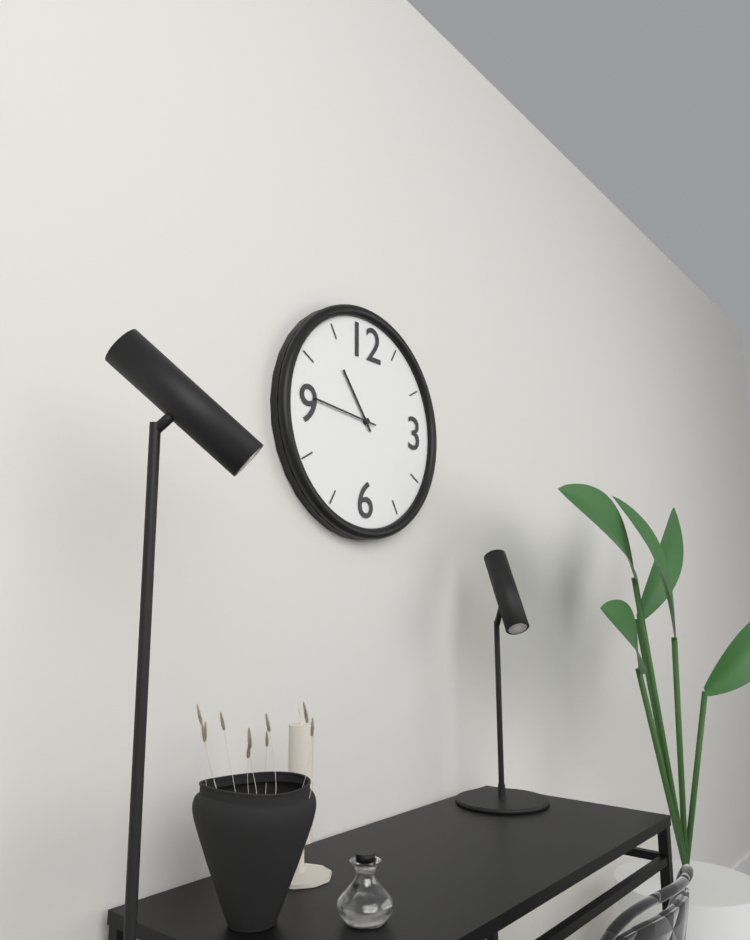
10:46
